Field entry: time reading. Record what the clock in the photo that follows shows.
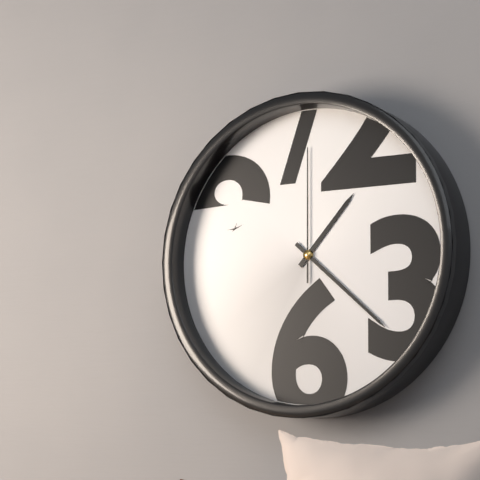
1:22:00
